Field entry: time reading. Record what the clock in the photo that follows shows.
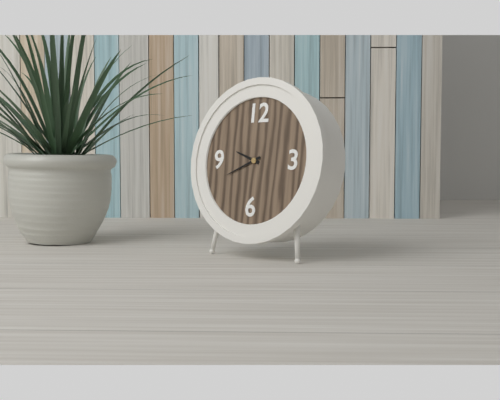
9:41
